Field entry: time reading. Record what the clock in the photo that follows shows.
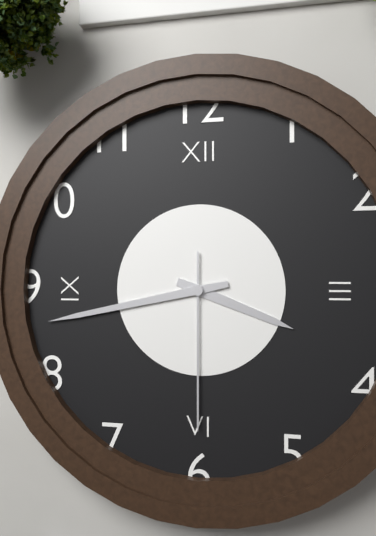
3:43:30
